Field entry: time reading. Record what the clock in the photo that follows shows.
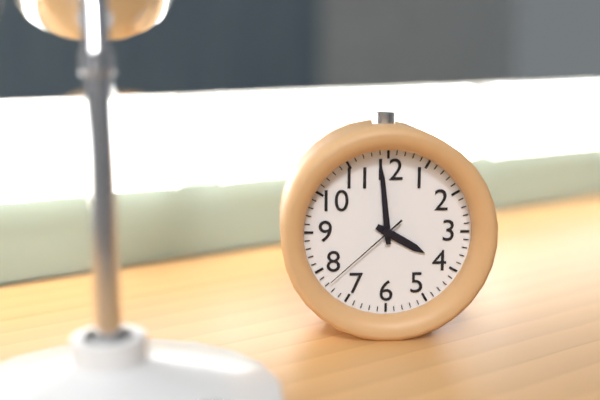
3:59:38
